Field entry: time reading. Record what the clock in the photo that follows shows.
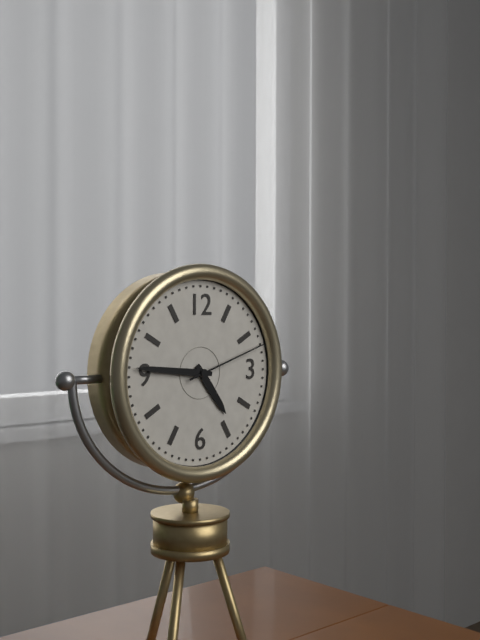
4:46:12
